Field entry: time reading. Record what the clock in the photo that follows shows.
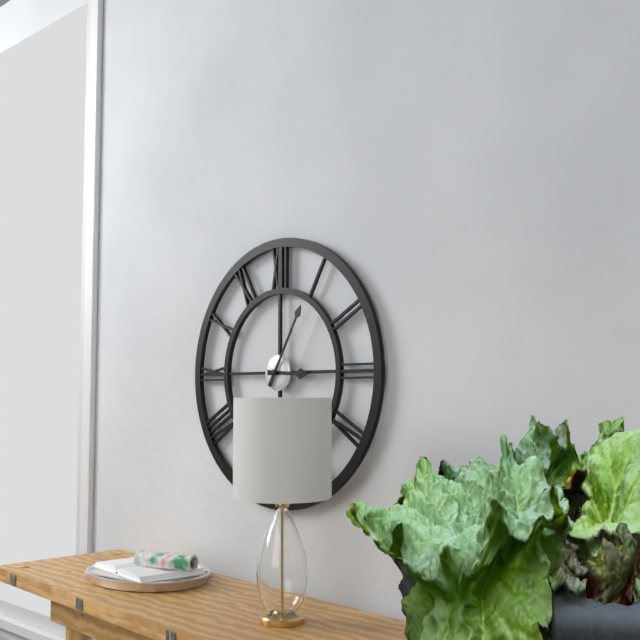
3:05
